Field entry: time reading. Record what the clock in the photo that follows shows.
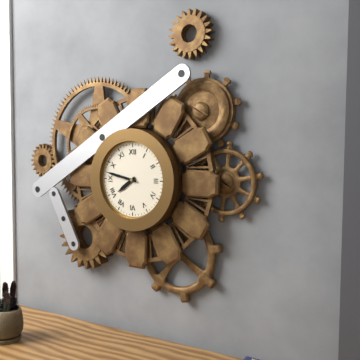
7:47
